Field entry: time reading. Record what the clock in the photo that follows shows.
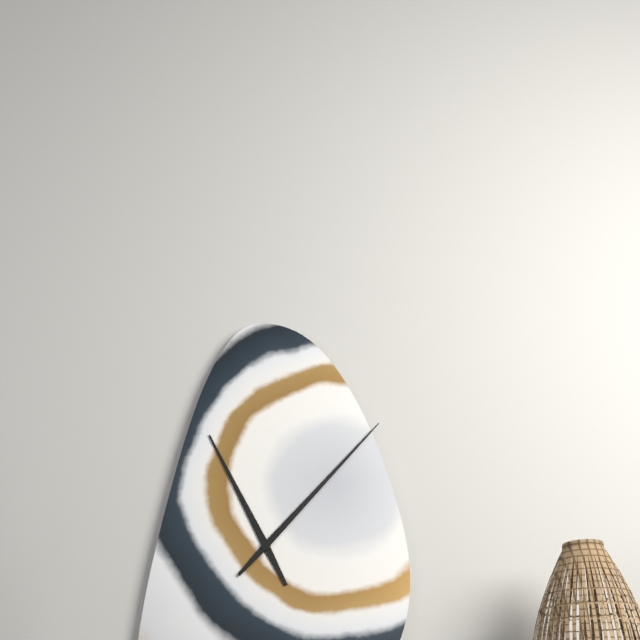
11:07
